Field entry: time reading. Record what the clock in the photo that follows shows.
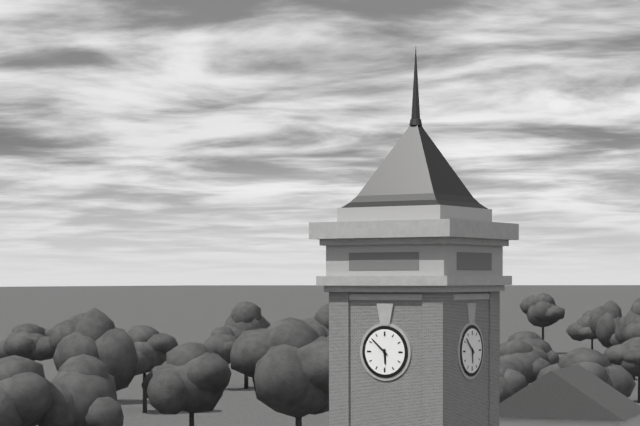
5:52
